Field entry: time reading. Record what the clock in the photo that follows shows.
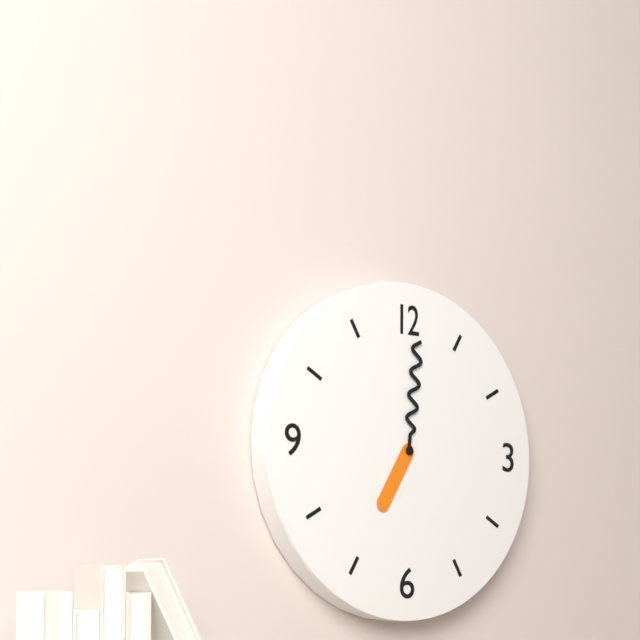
7:01
